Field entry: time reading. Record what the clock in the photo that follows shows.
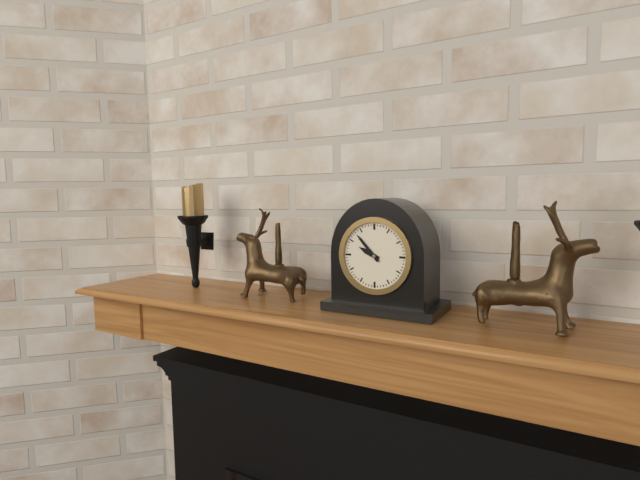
9:53
